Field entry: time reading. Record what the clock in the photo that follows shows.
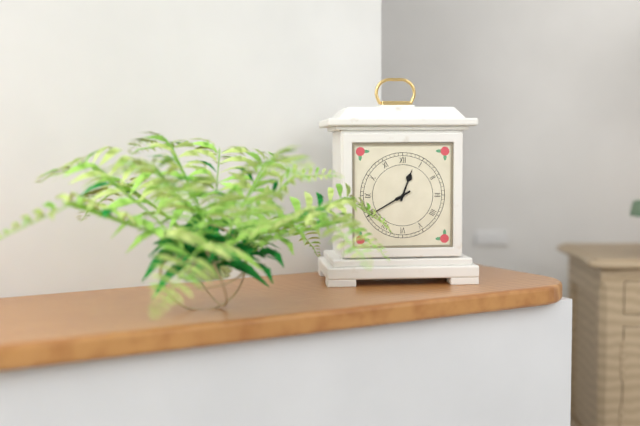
12:40
